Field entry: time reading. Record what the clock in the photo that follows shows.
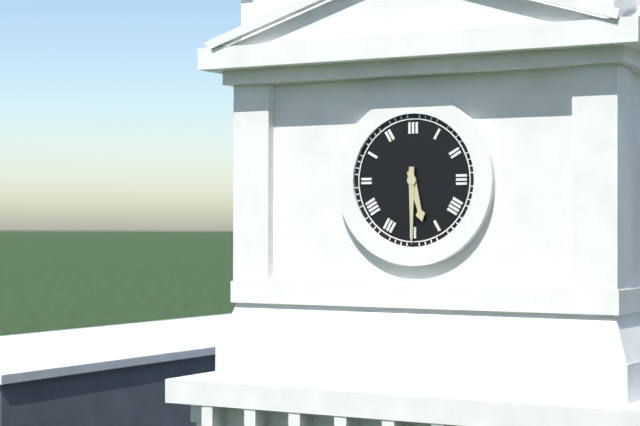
5:30
